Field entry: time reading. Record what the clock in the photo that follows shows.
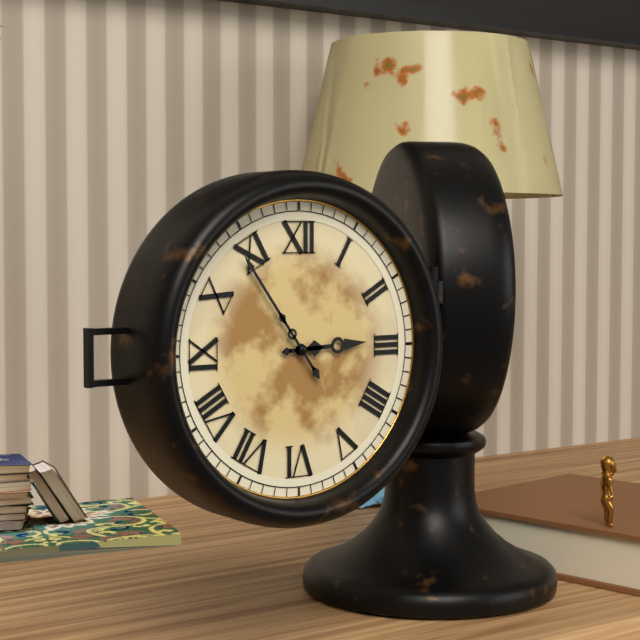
2:54
